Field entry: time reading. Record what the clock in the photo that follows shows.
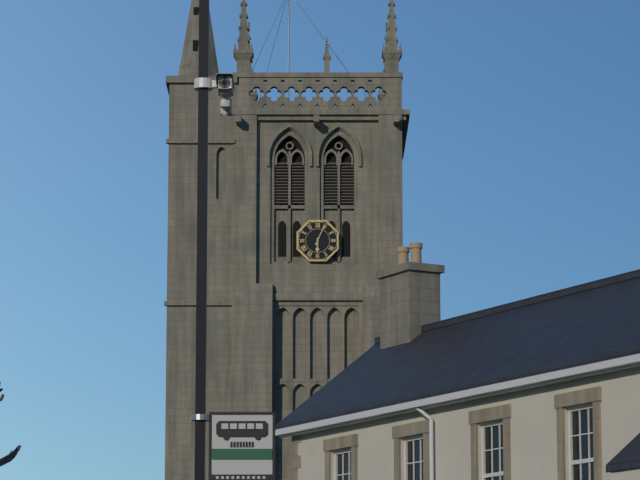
6:04
